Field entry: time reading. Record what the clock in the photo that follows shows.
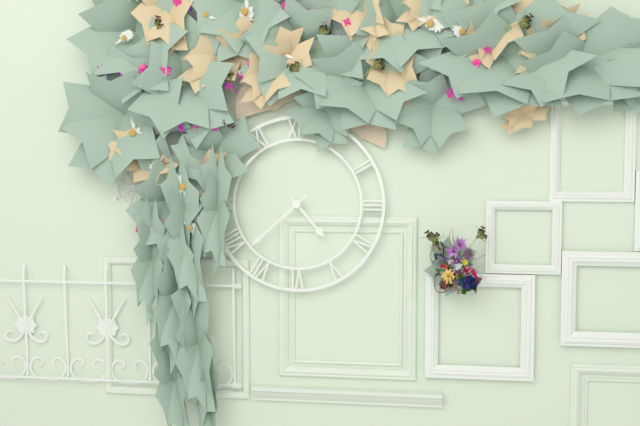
4:38
